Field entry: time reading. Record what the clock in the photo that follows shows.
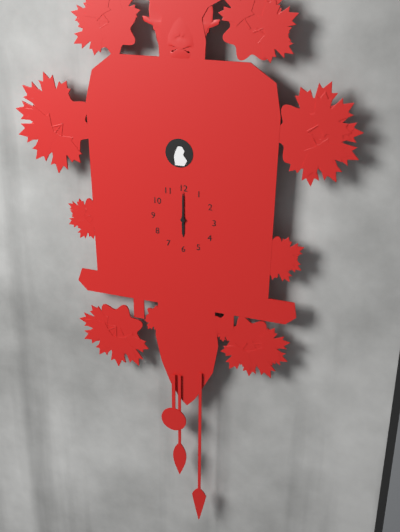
6:00
